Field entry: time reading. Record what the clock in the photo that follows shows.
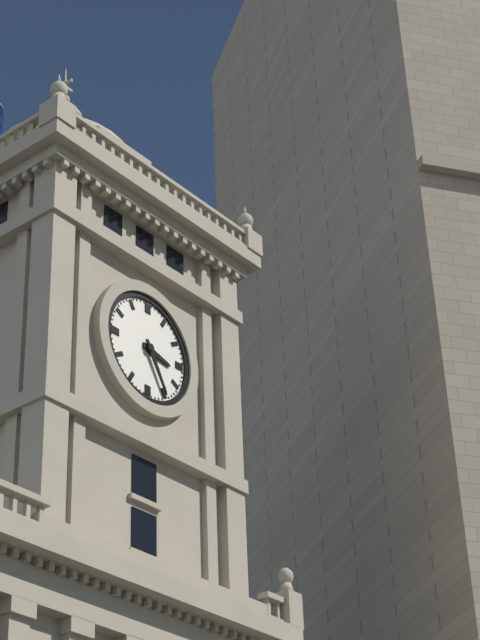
3:25
